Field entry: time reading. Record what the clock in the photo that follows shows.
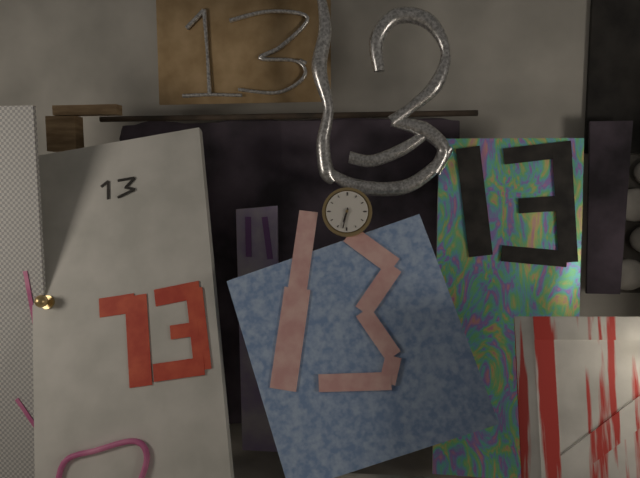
6:32
